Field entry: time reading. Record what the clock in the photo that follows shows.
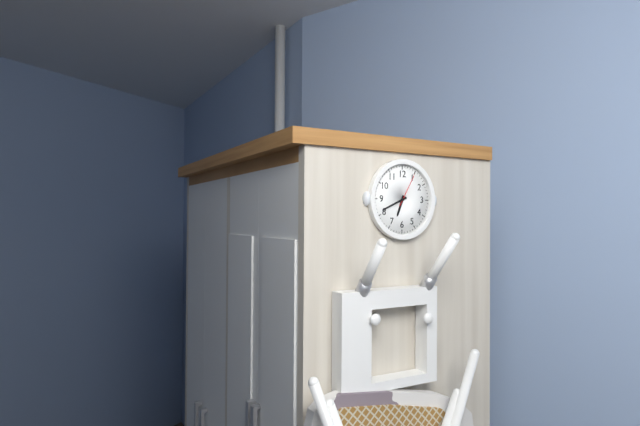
6:41
